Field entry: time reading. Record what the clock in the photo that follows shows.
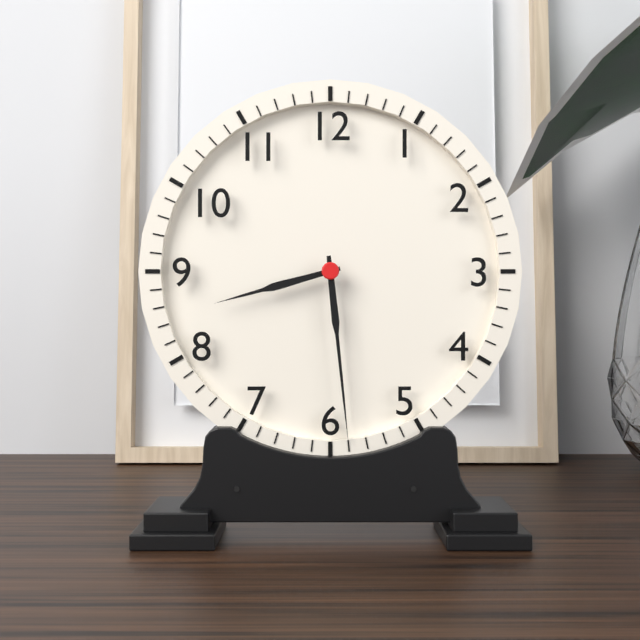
8:29
